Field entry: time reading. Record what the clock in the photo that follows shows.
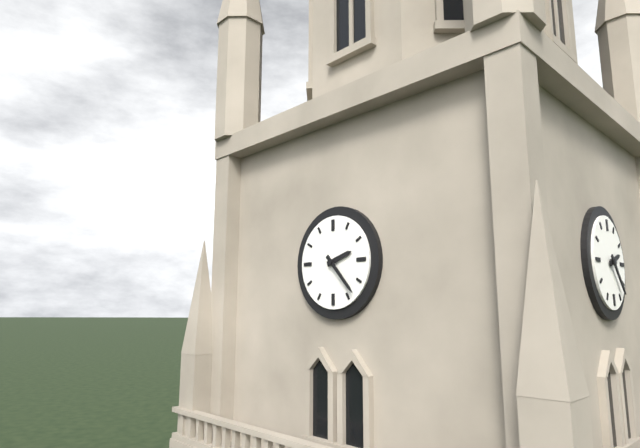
2:23
